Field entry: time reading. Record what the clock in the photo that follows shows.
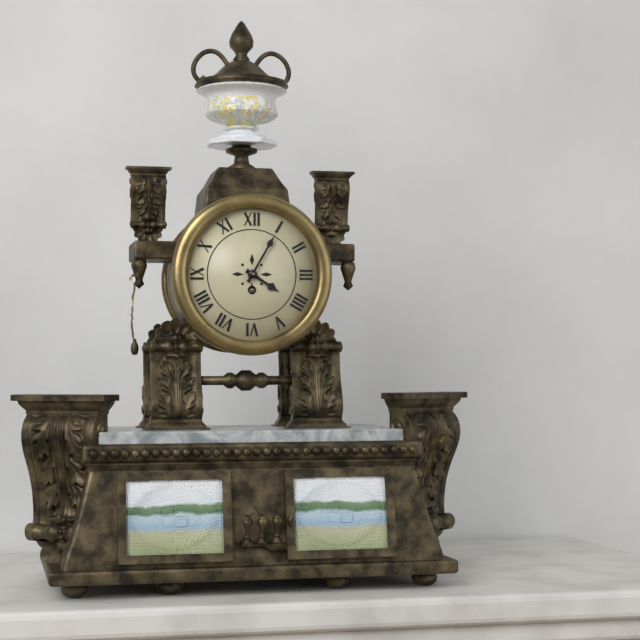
4:05
